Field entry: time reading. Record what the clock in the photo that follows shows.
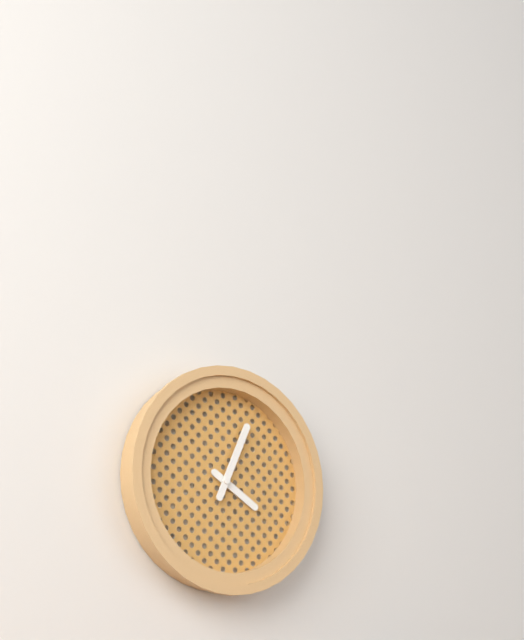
4:04
